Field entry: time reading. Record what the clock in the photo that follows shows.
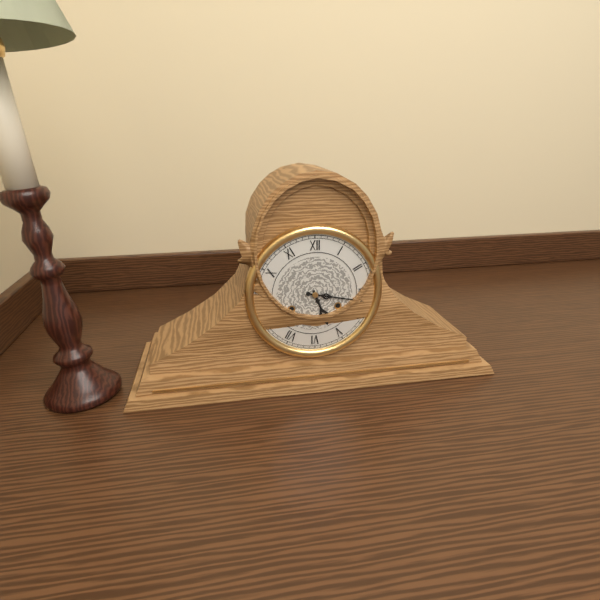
5:17
